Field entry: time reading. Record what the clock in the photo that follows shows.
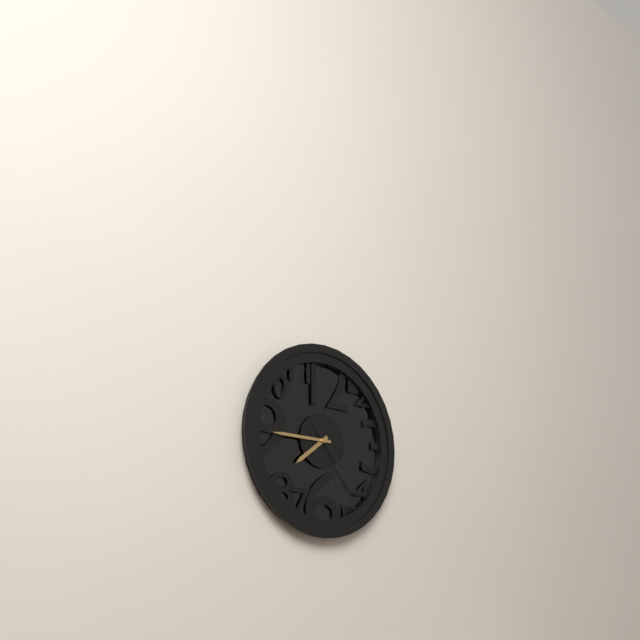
7:45:23
